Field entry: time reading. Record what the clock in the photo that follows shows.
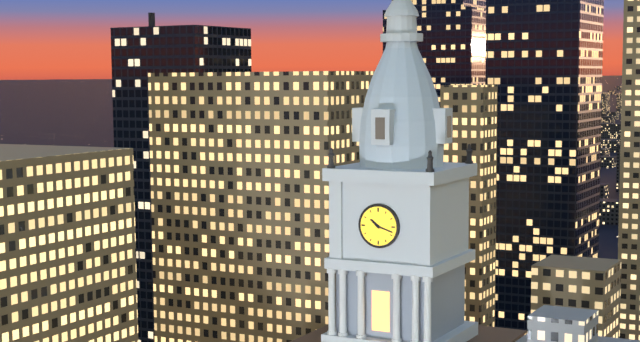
10:18
